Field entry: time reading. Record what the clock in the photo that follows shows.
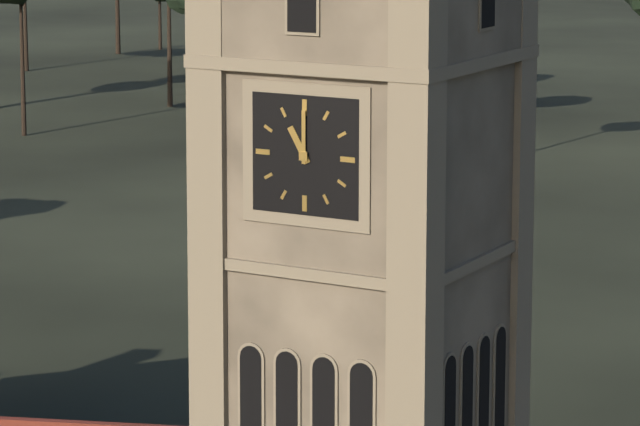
11:00
